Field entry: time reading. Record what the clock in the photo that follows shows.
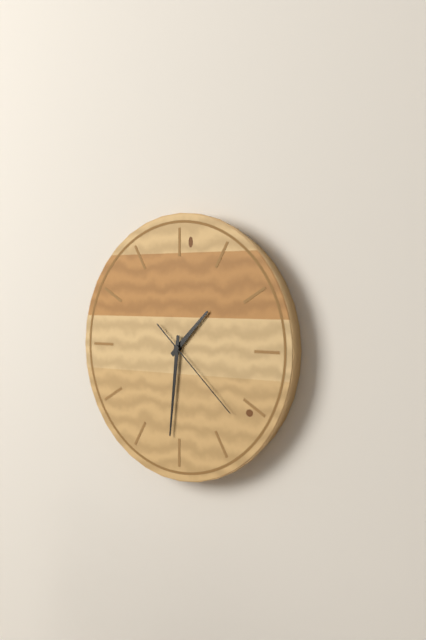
1:31:22
